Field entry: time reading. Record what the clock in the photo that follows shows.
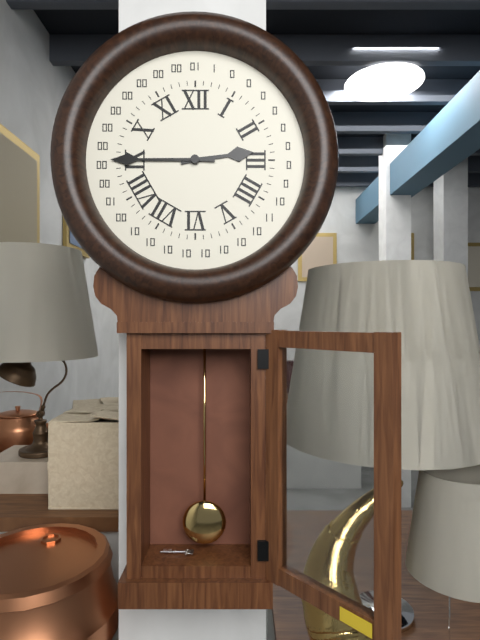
2:45
